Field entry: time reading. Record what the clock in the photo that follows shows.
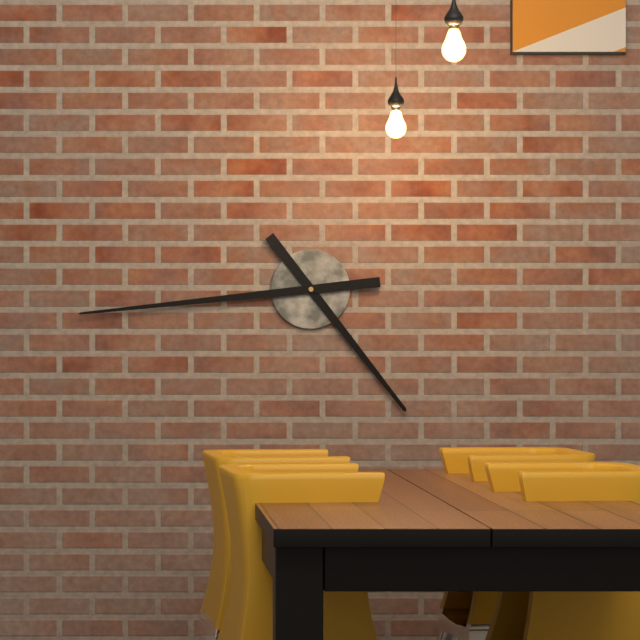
4:44
